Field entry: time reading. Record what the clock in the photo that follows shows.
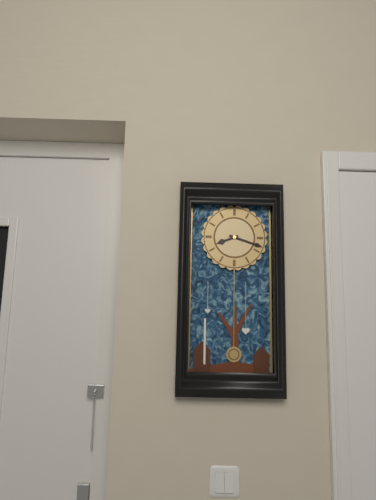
8:18
